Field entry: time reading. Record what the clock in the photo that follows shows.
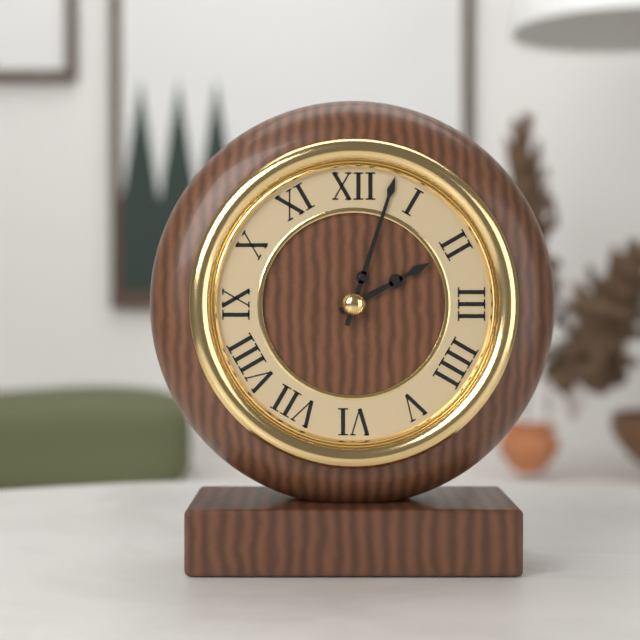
2:03
